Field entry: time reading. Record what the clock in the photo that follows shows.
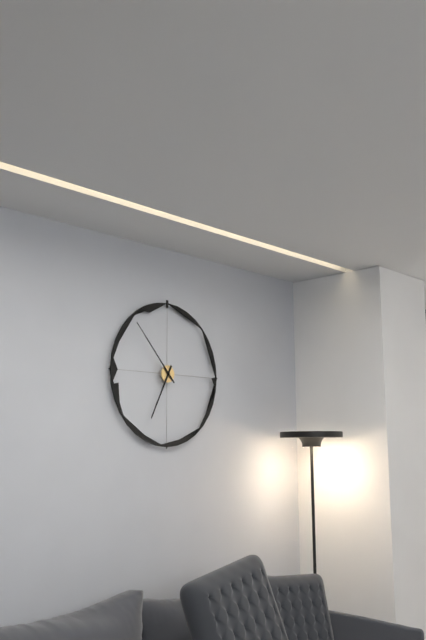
6:53
